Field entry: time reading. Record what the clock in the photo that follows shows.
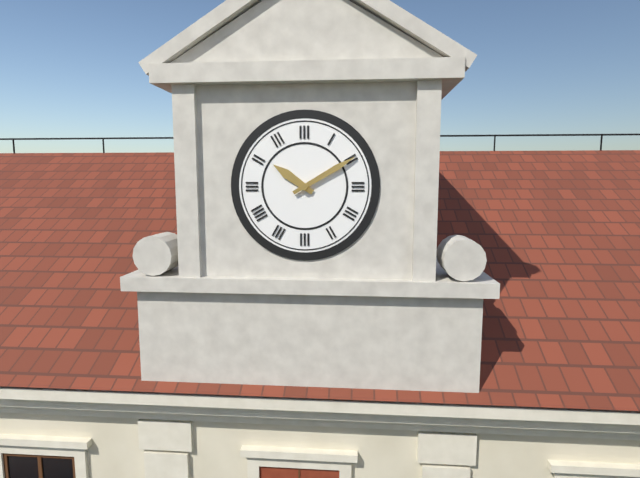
10:10
